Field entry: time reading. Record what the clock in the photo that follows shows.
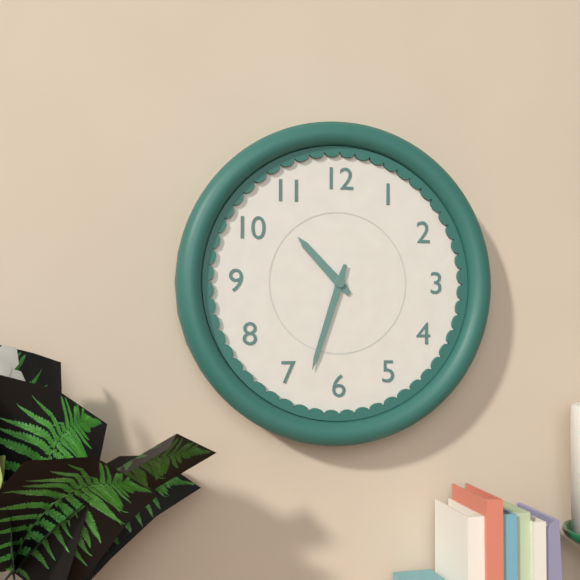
10:33
